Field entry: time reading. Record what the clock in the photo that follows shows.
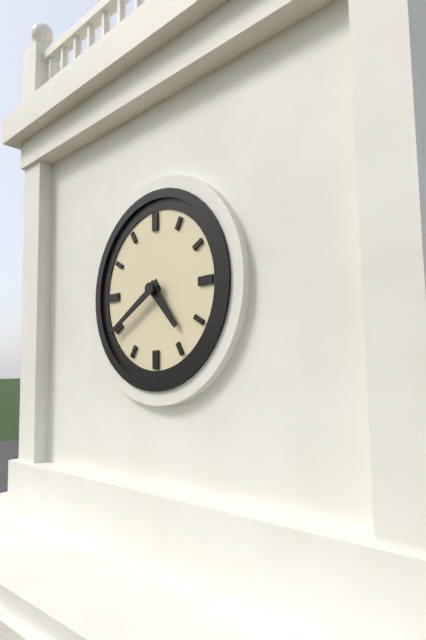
4:40
